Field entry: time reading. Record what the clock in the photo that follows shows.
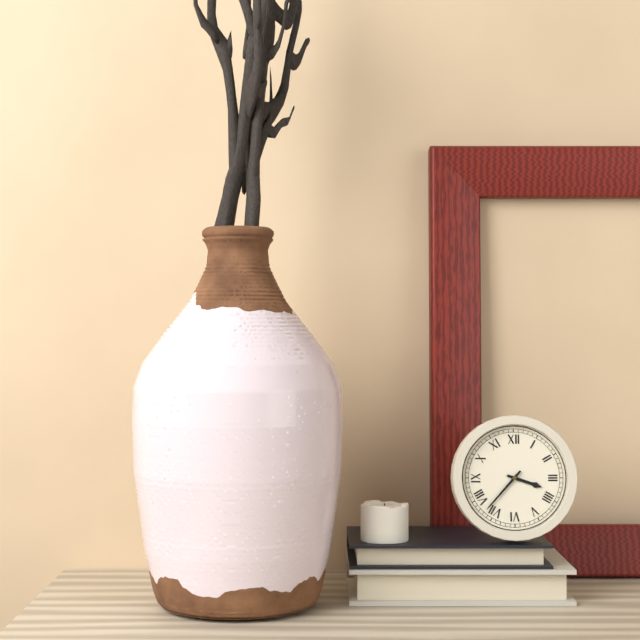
3:37
